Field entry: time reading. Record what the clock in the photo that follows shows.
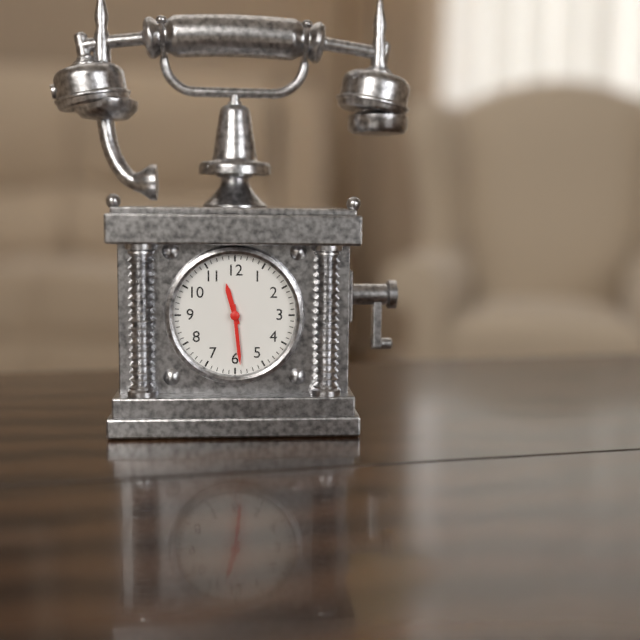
11:29
